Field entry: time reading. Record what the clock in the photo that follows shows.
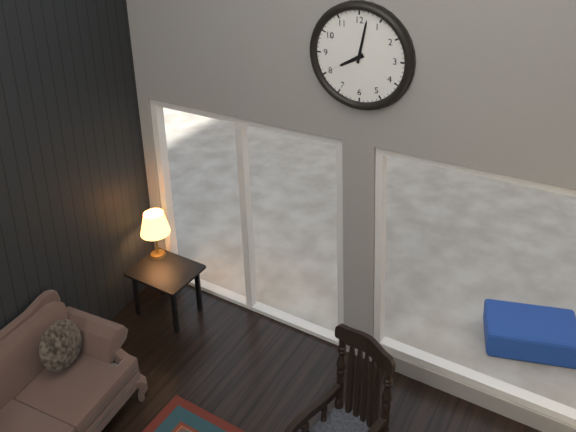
8:02
